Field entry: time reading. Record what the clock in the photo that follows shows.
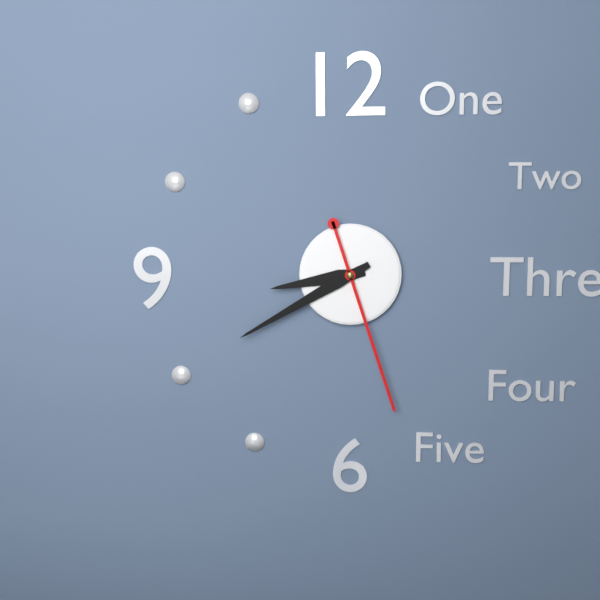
8:40:27
